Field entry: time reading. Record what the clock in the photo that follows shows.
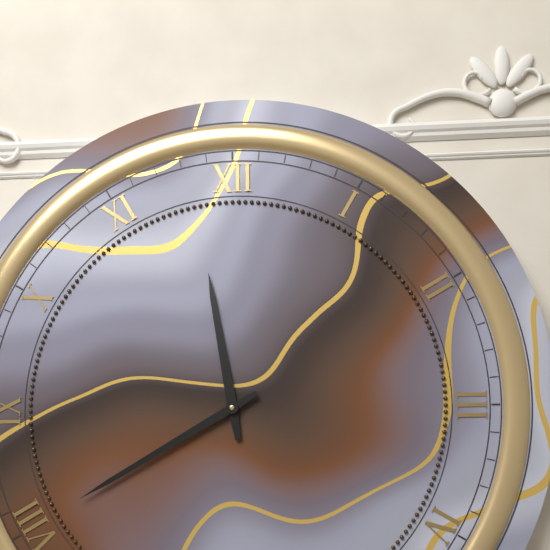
11:40
